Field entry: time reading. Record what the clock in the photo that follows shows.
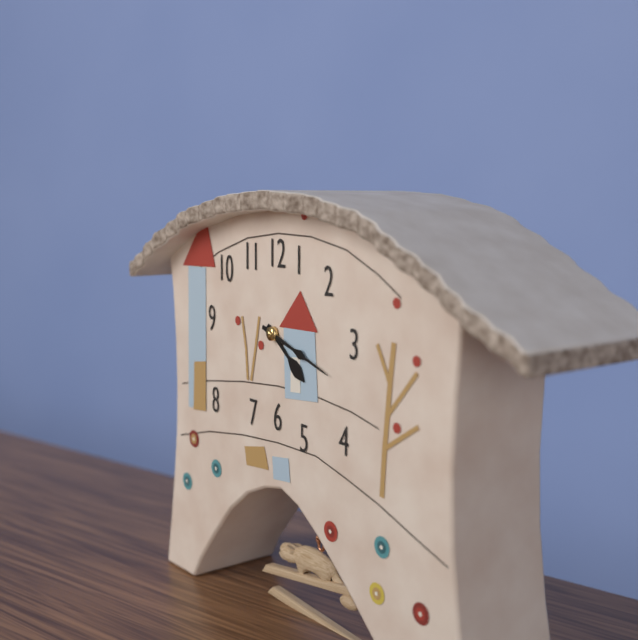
4:18
